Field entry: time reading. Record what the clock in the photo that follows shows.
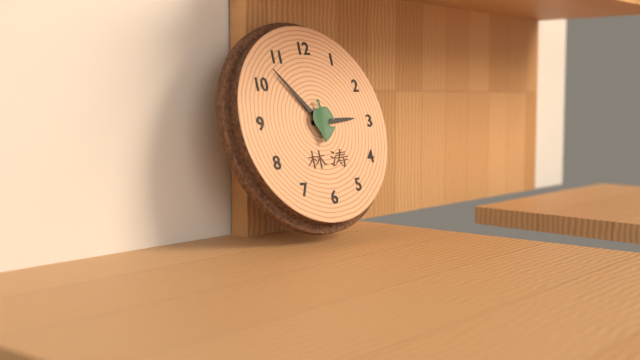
2:53
